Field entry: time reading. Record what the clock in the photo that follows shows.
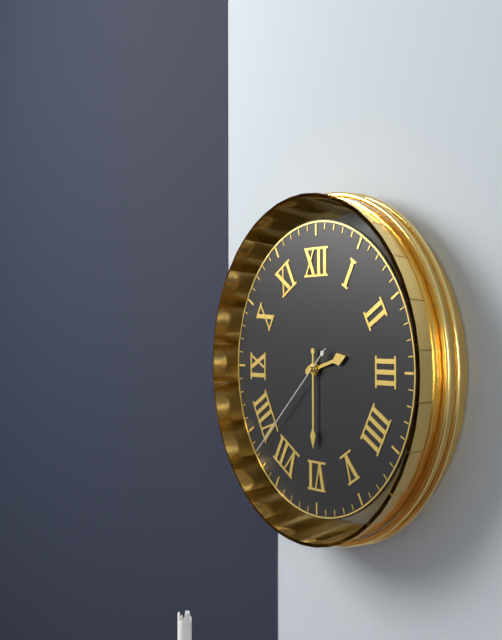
2:30:38
